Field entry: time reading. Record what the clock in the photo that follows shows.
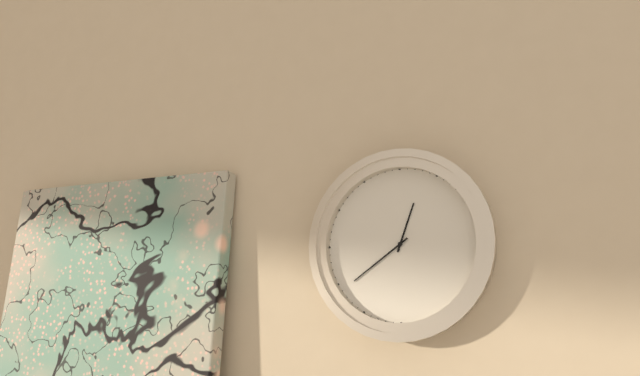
12:39
